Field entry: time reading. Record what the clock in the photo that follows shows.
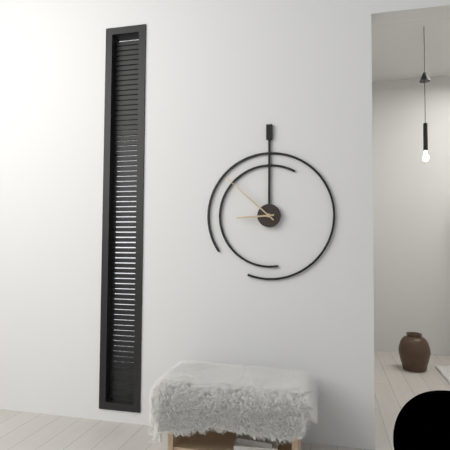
8:52
